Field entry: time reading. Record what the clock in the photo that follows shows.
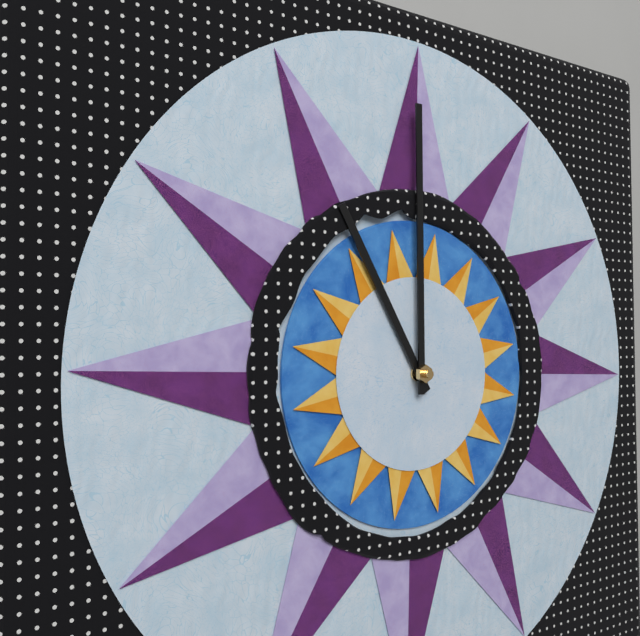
11:00
